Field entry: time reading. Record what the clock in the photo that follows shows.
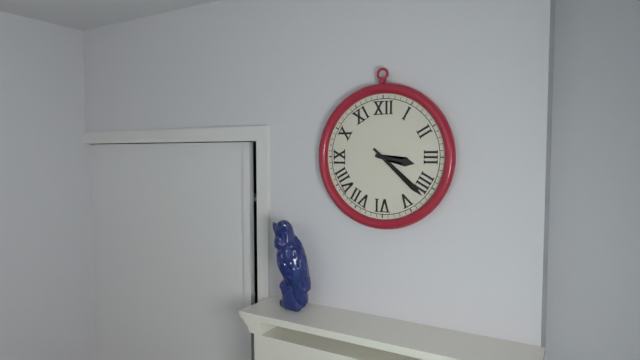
3:22
